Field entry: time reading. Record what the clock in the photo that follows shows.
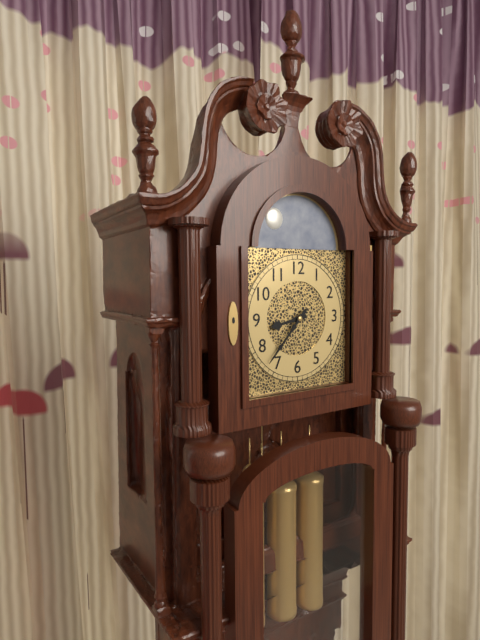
8:37
